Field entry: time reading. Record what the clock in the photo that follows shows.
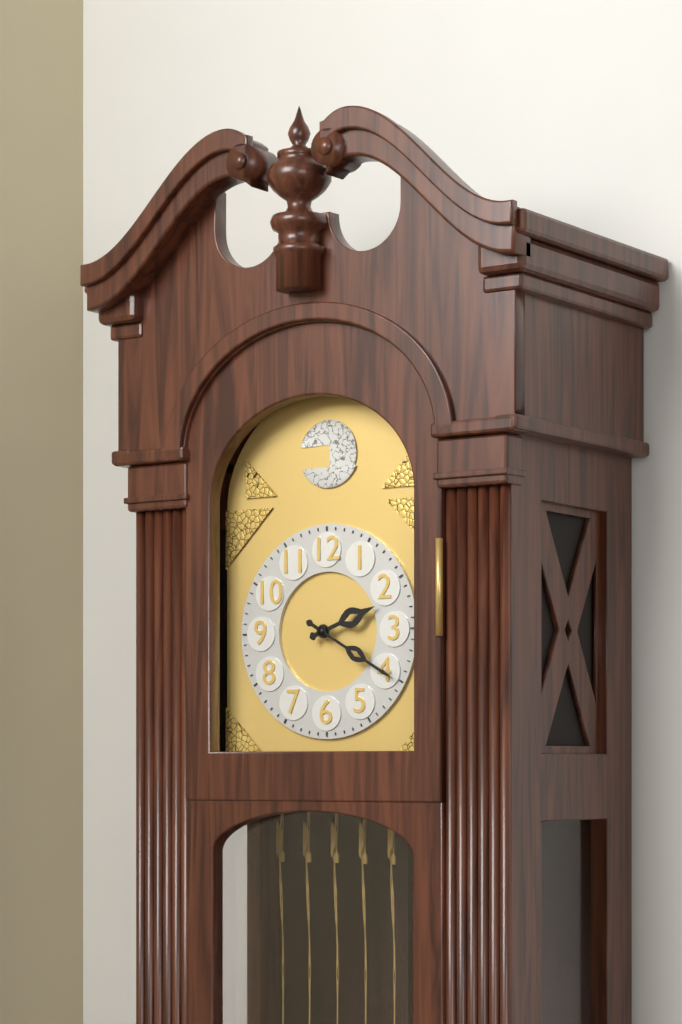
2:20
